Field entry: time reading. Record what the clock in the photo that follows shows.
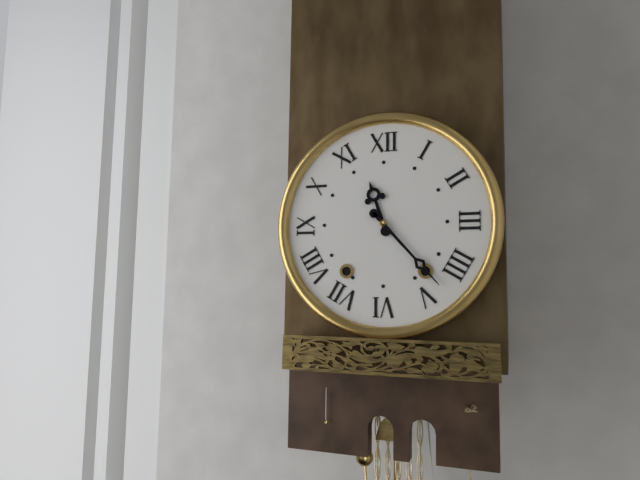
11:23
